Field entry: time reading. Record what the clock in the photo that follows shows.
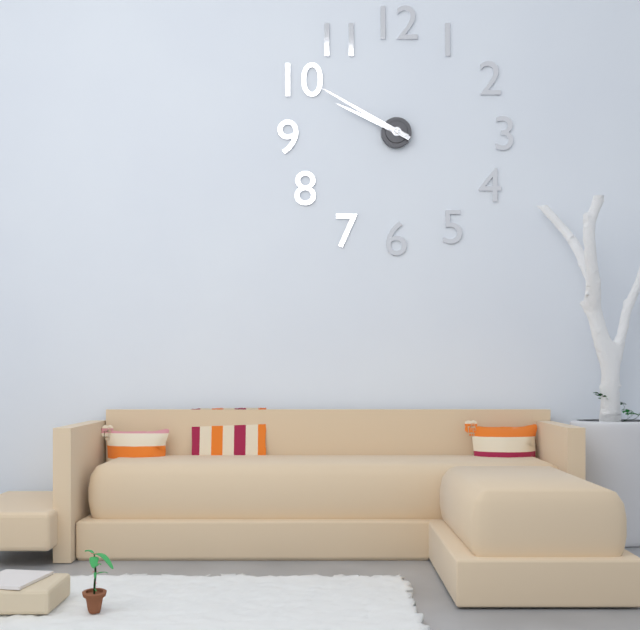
9:50
